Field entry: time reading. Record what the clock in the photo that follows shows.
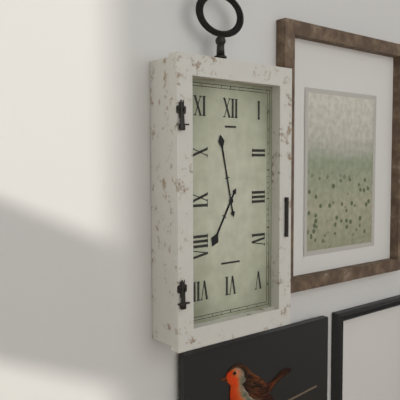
6:58
